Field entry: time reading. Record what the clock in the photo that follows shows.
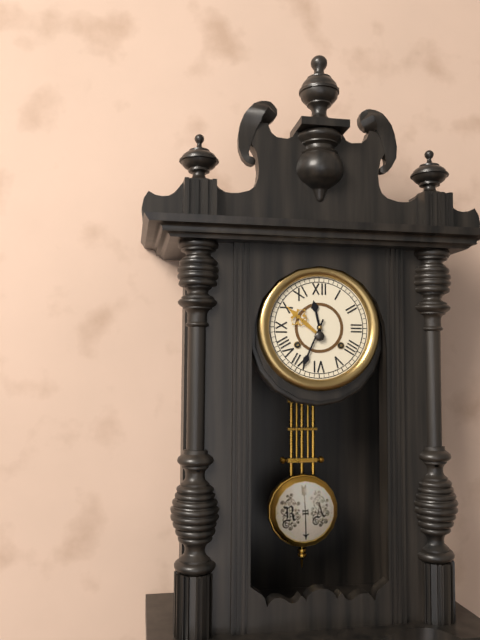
11:34
